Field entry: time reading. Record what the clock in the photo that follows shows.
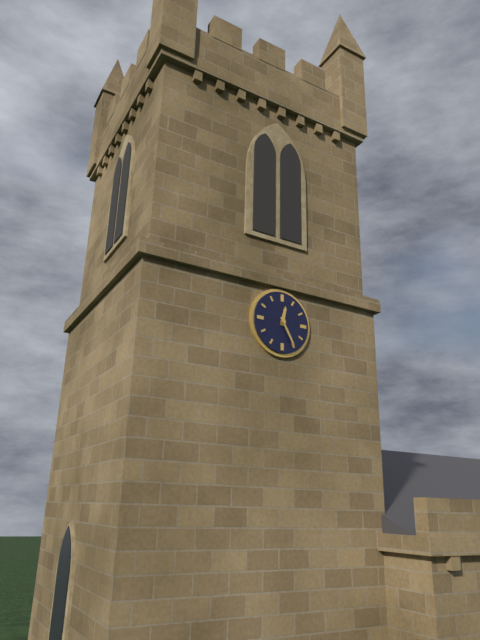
12:25
